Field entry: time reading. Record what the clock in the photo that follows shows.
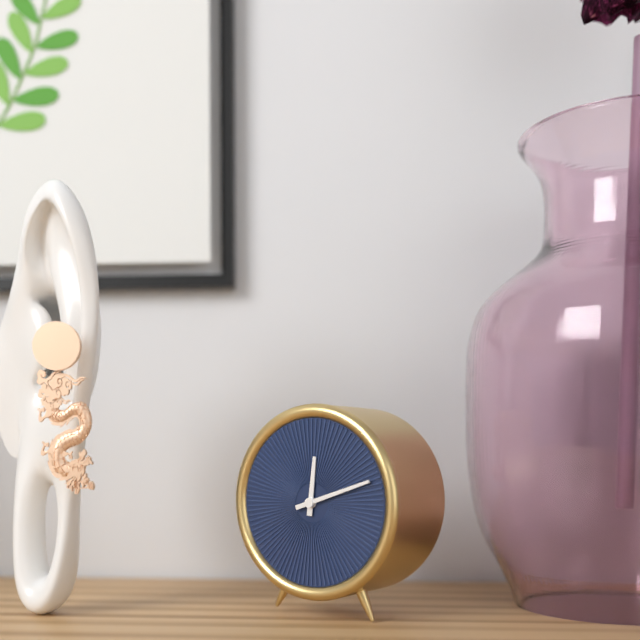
12:12
